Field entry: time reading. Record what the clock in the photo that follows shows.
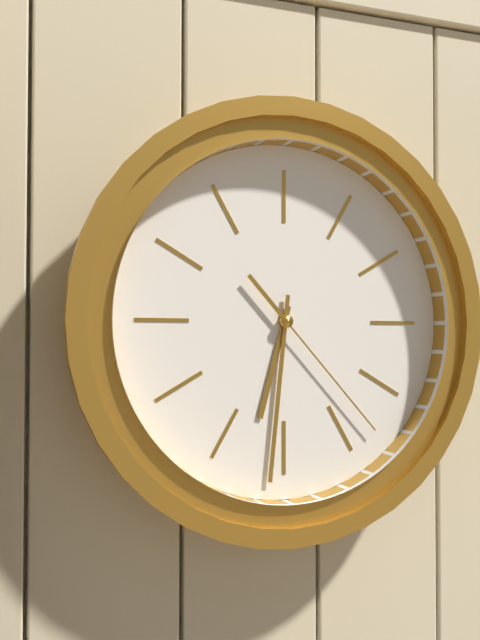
6:31:23
